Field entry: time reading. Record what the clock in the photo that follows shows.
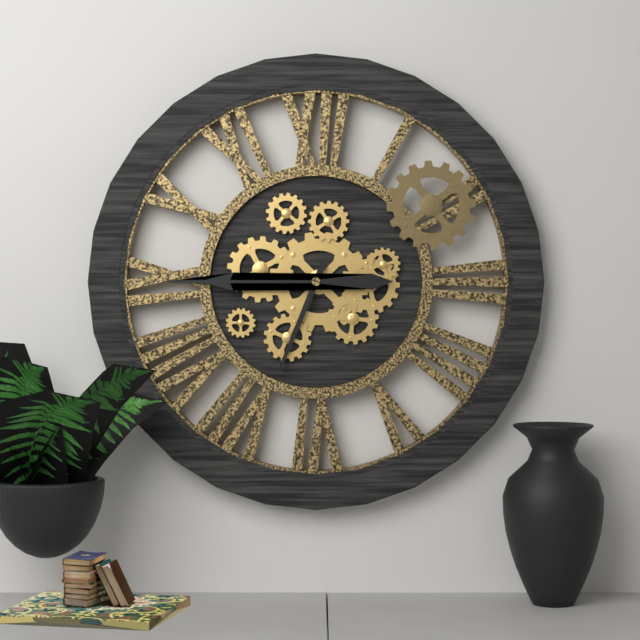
6:45
